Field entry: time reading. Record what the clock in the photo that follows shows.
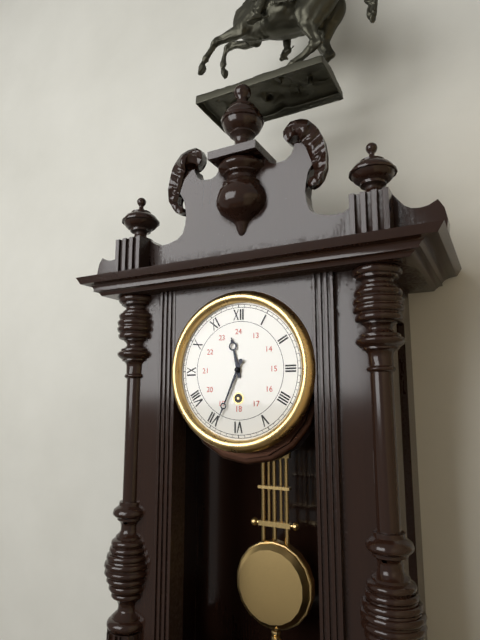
11:34
